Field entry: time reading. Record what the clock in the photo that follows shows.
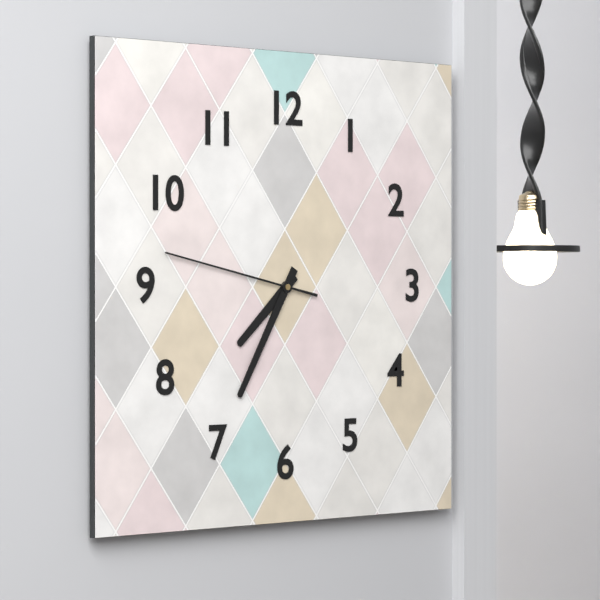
7:35:47
